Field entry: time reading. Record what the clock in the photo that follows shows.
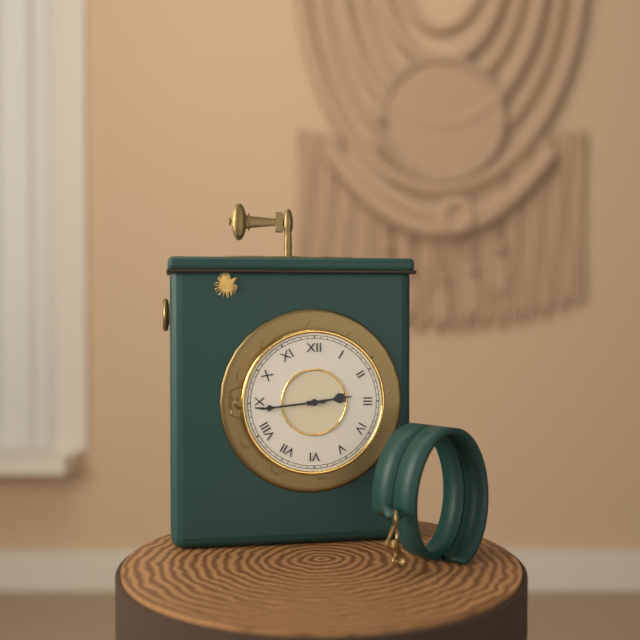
2:44
